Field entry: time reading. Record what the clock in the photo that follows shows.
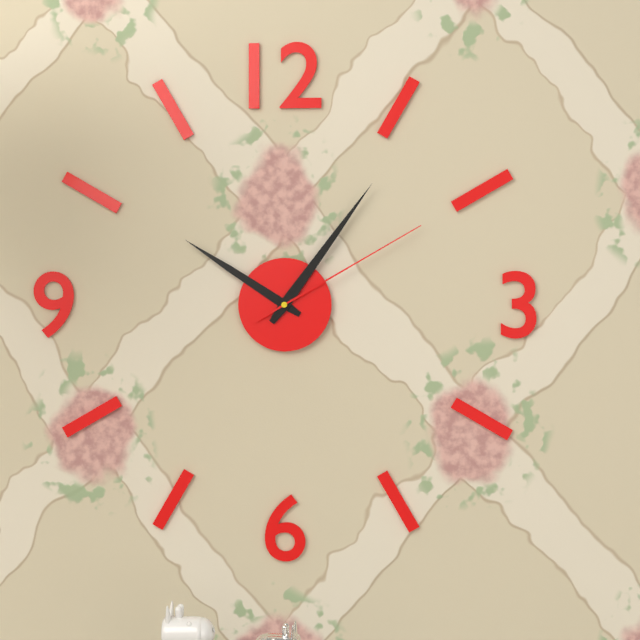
10:06:10
